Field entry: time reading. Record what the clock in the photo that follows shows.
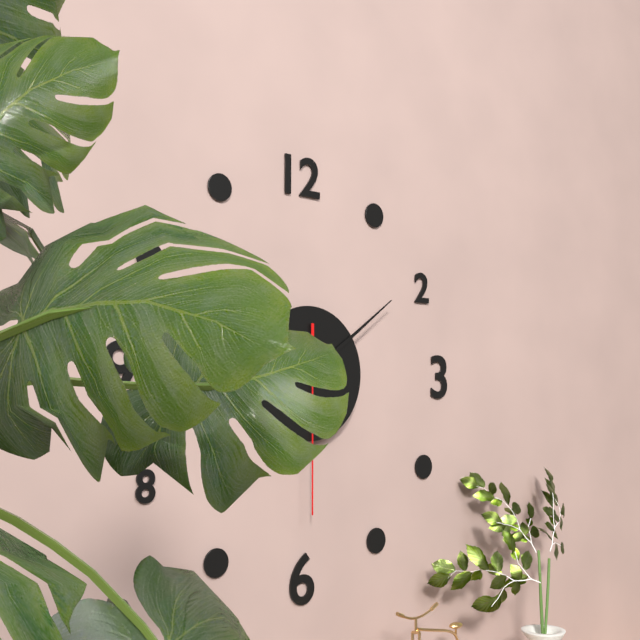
10:09:30
